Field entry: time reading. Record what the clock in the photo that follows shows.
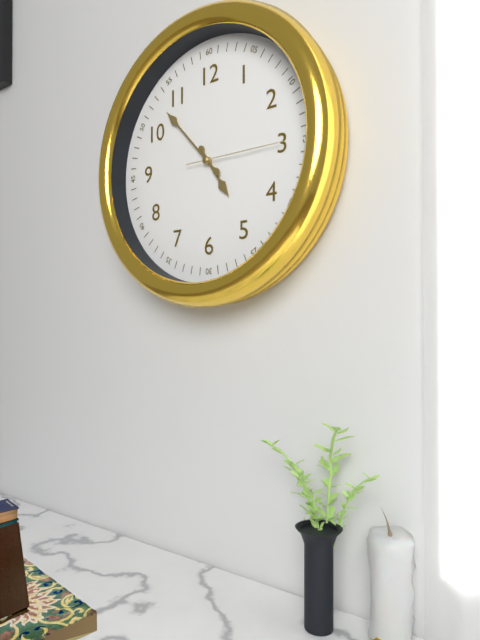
4:53:15
